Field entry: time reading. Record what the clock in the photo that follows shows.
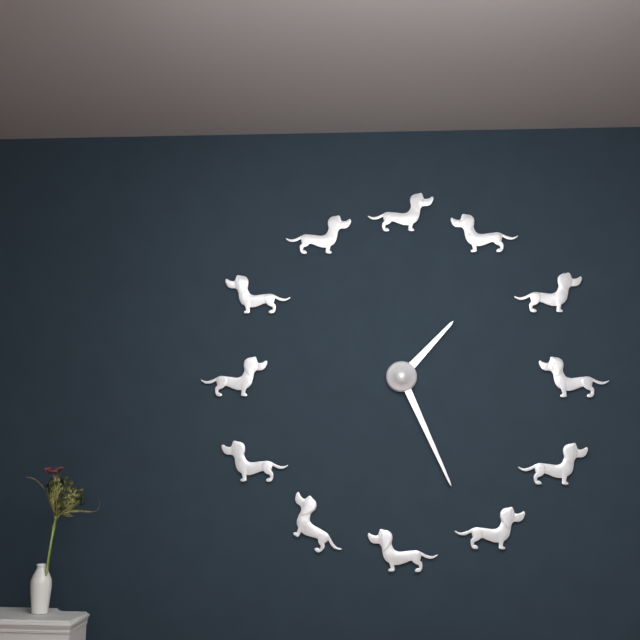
1:26
